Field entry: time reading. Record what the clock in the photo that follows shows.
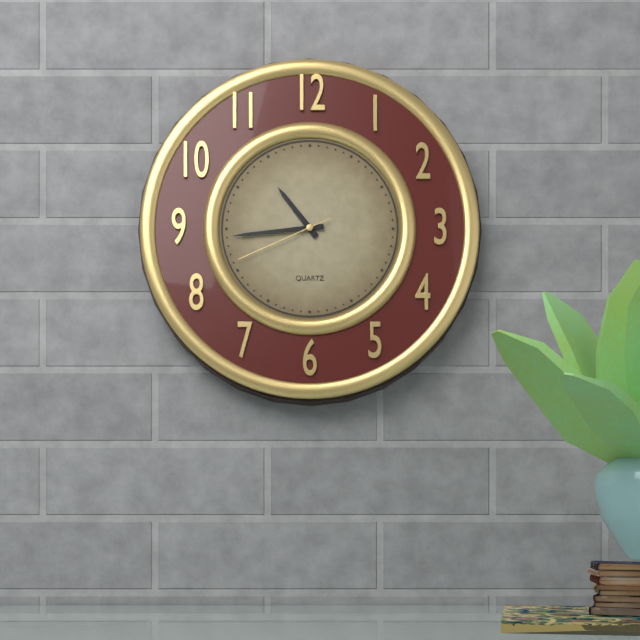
10:44:41
